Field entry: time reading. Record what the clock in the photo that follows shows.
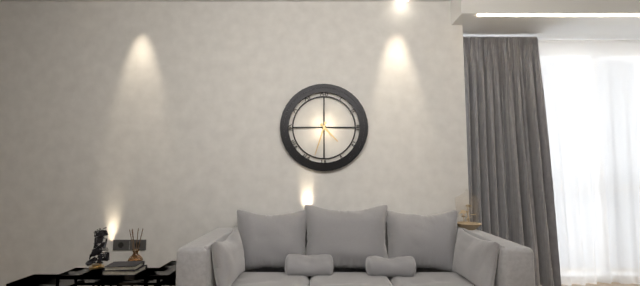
4:33
